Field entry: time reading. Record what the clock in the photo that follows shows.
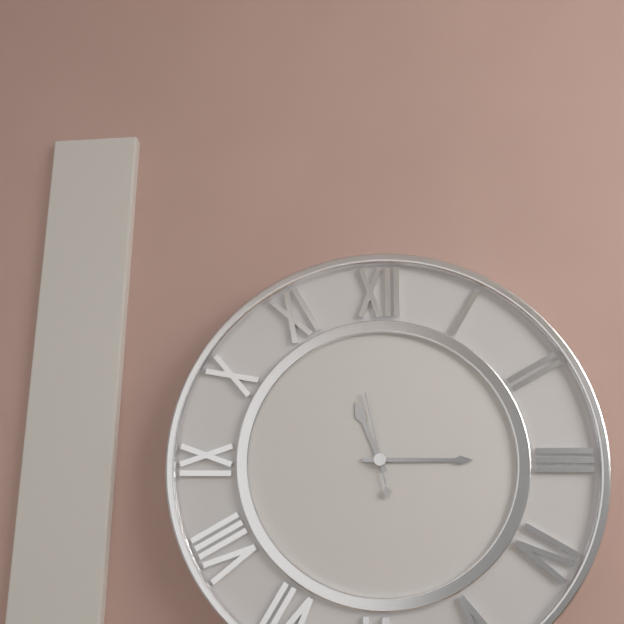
11:15:58
